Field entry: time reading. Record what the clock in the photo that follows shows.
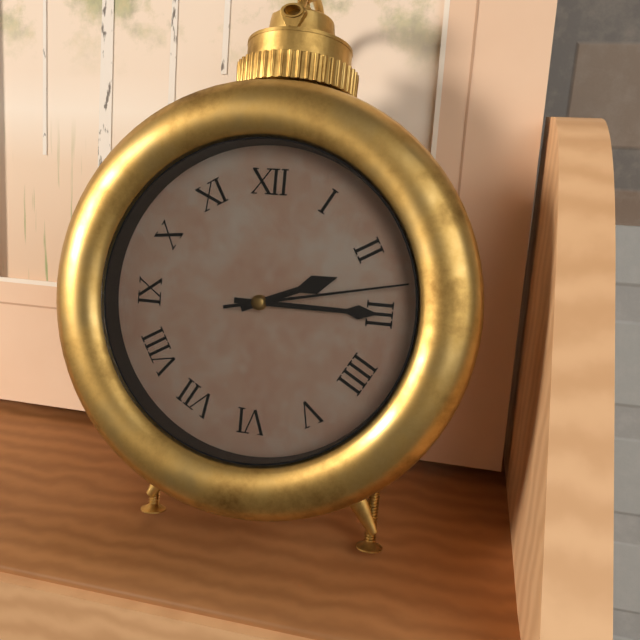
2:15:13
